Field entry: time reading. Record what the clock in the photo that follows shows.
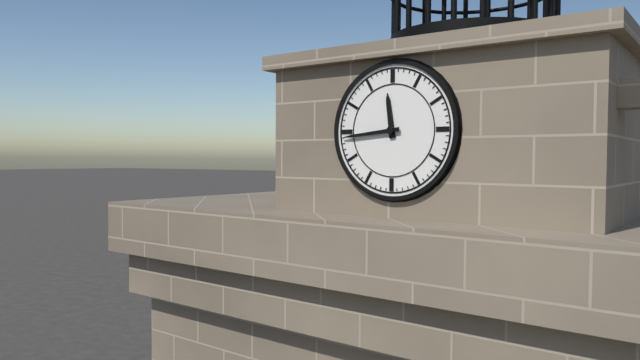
11:44
